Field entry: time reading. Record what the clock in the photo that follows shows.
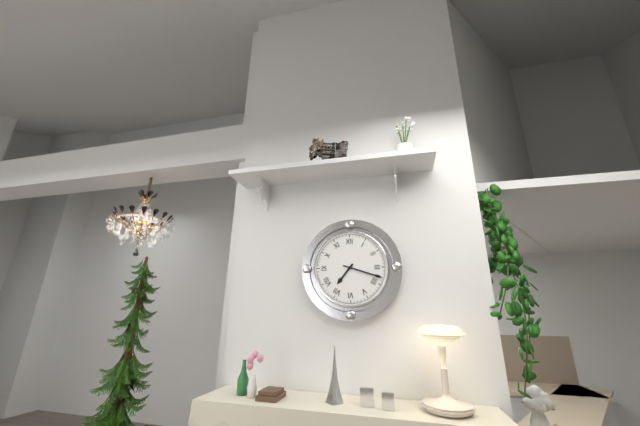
7:18
